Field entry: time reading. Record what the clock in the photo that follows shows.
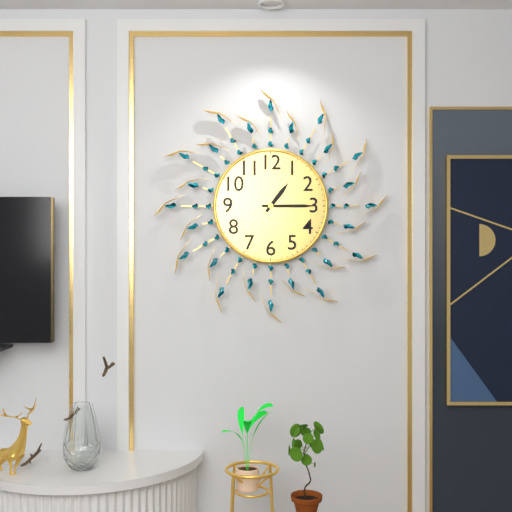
1:15
